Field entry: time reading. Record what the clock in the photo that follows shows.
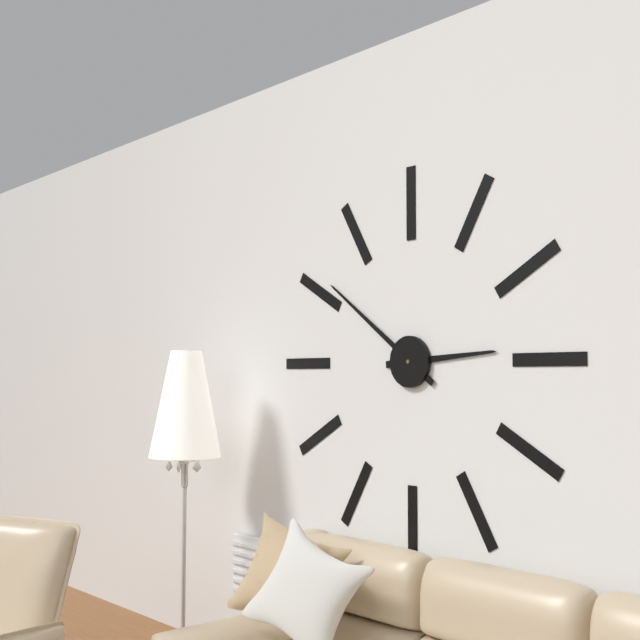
2:51
